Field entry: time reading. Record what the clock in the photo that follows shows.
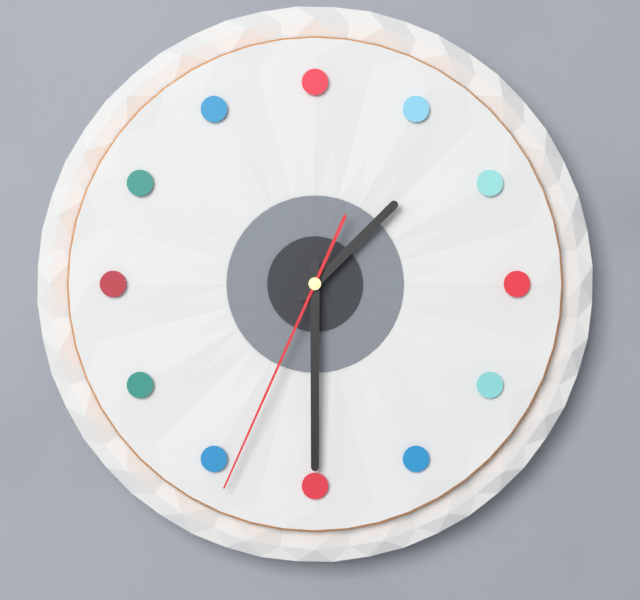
1:30:34
